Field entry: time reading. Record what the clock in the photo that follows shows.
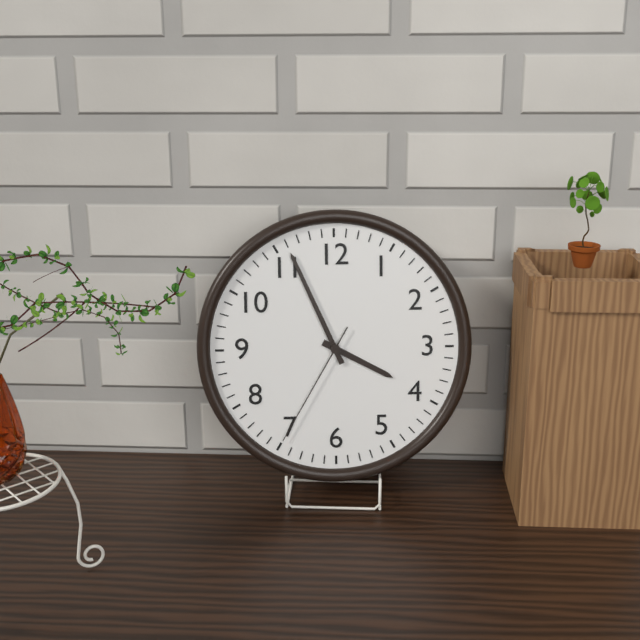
3:56:35
